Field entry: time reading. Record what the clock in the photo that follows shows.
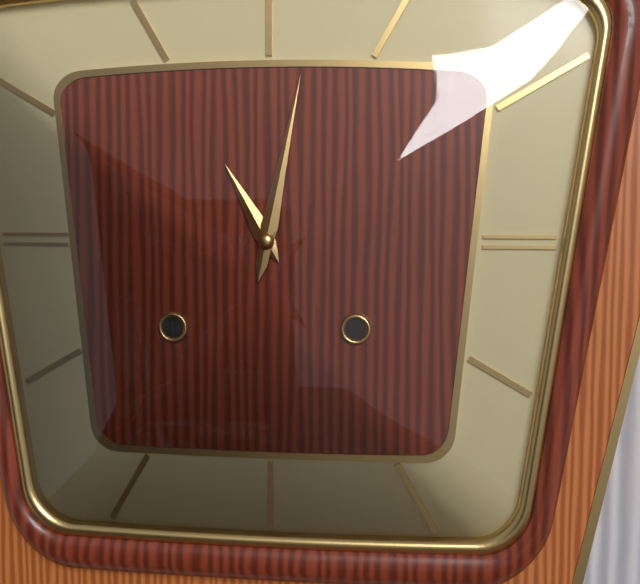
11:02
